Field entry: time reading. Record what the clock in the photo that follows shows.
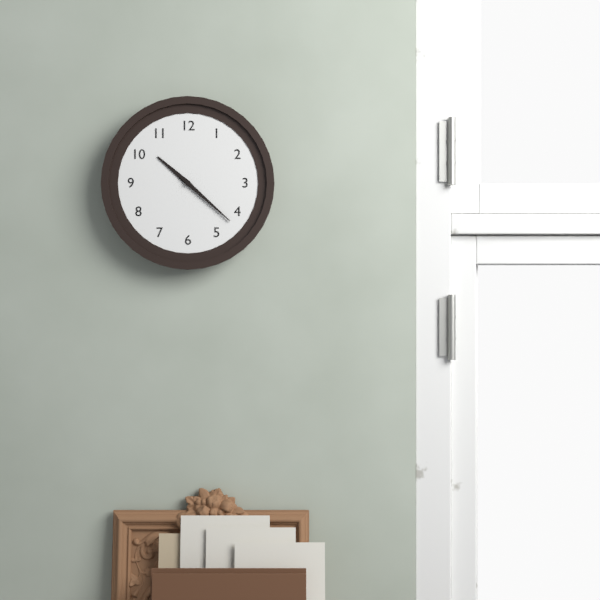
10:22
